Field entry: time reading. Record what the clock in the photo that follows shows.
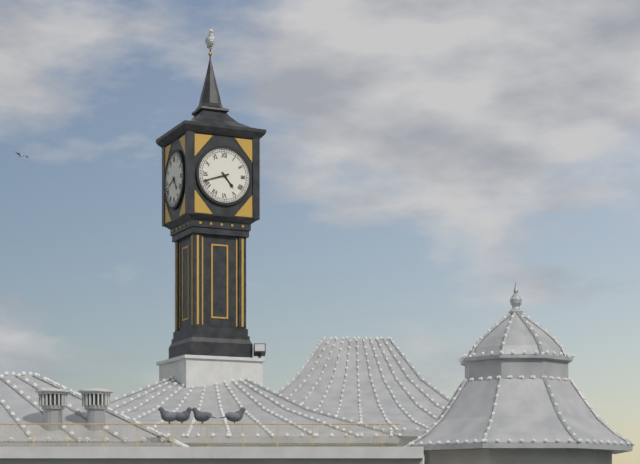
4:42
